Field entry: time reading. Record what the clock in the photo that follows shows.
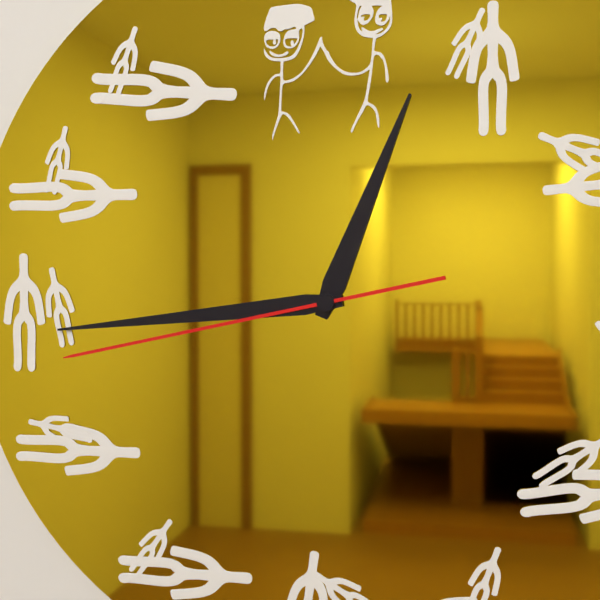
12:44:43
